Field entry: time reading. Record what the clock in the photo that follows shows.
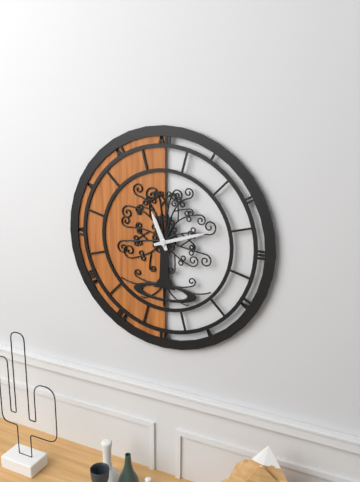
11:12
